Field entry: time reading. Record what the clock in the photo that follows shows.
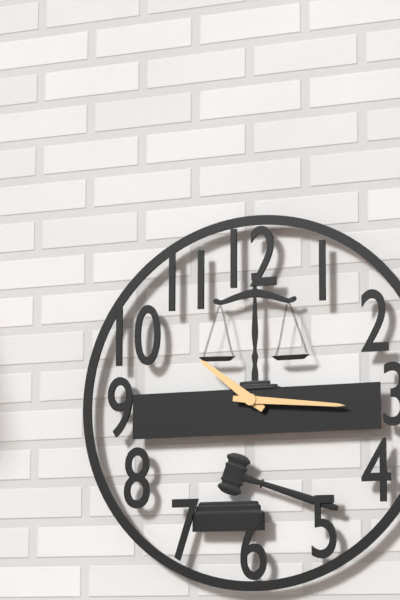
10:16
